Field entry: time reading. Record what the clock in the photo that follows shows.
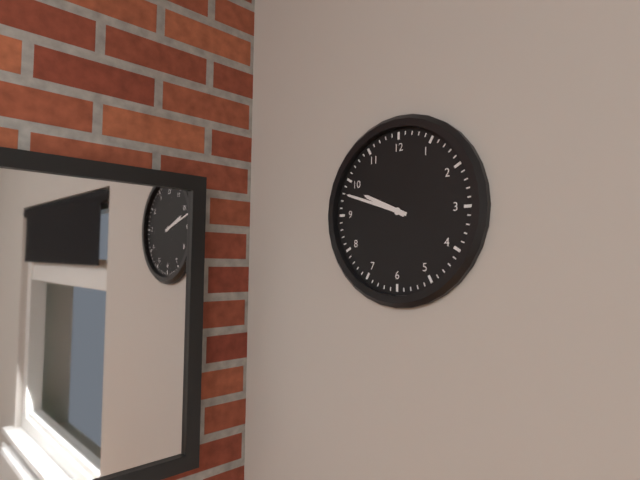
9:48
